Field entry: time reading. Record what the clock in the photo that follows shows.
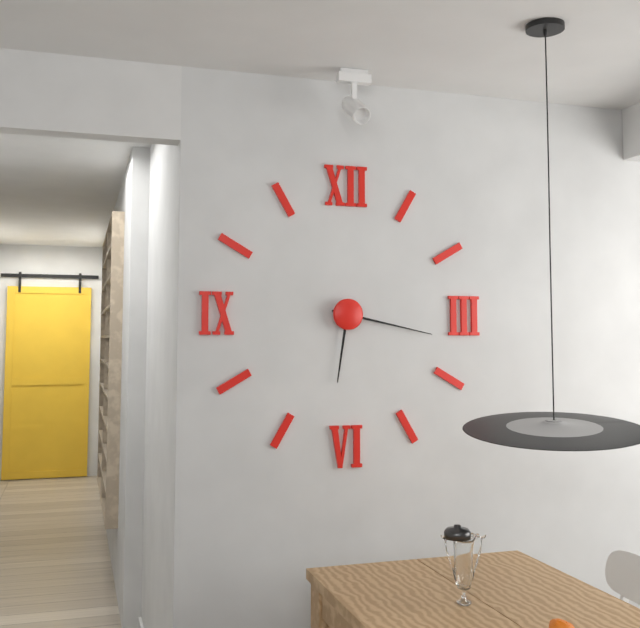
6:17
